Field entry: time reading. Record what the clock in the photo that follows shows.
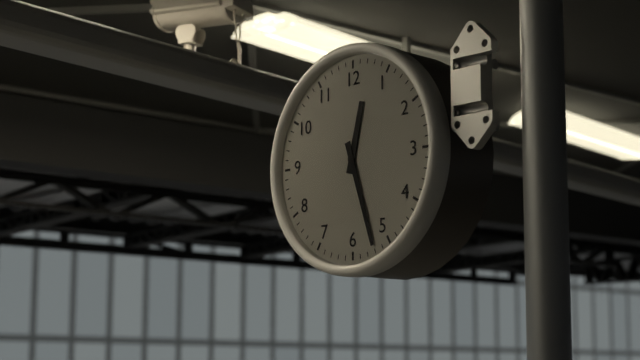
12:27
